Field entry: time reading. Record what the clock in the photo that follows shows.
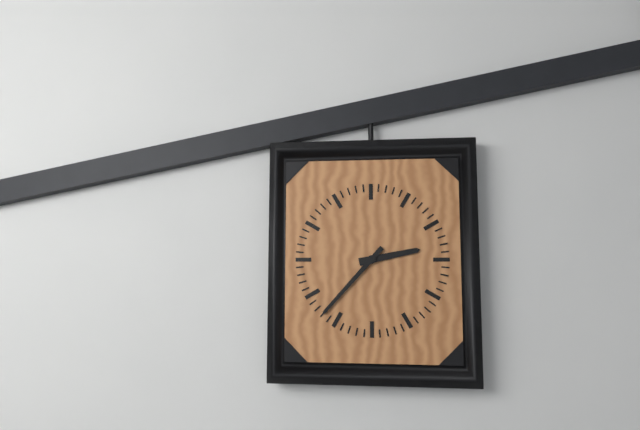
2:37
